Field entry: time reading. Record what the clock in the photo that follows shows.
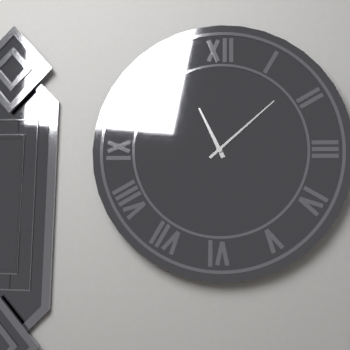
11:08
